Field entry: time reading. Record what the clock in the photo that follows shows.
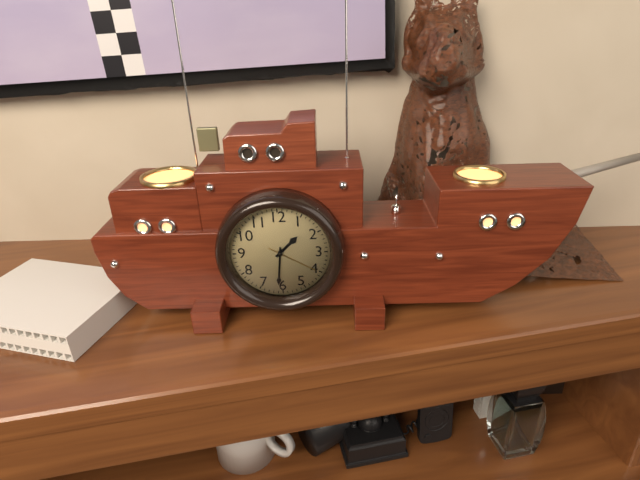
1:31:20
